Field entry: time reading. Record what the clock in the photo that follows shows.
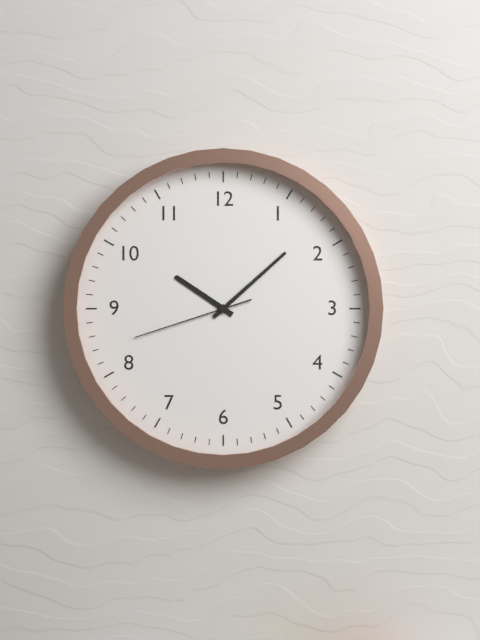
10:08:42
